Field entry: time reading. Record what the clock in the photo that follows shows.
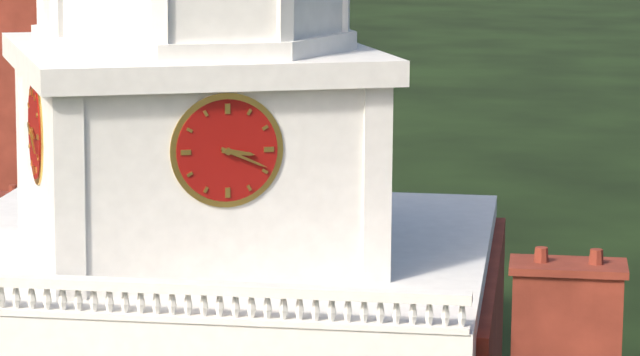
3:19
